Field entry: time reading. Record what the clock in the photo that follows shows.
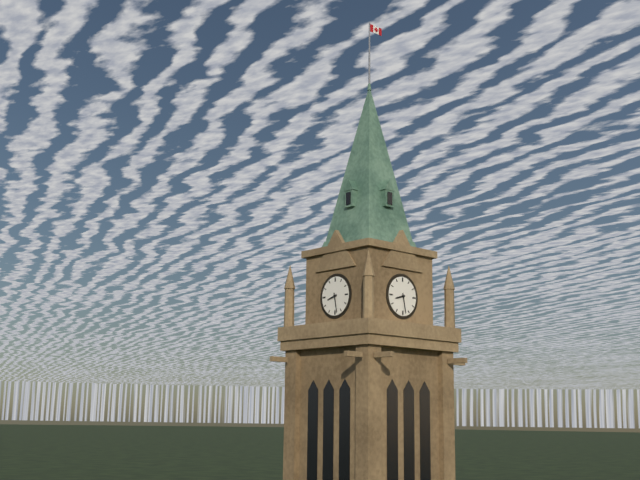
8:28
